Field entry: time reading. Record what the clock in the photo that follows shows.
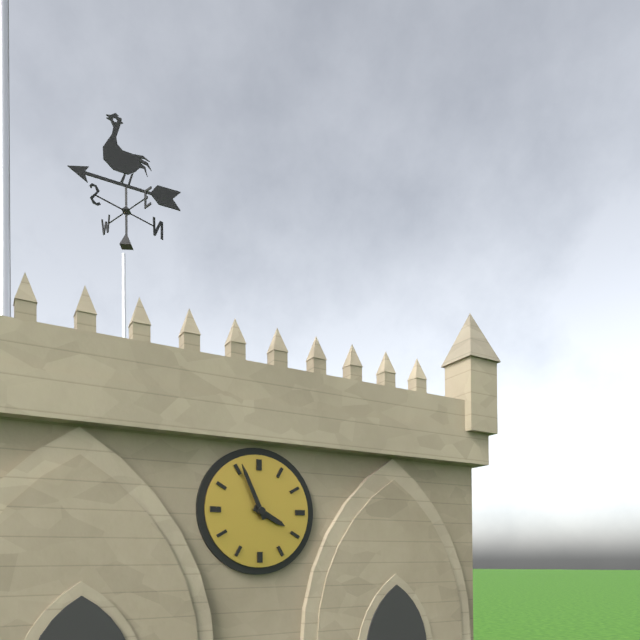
3:56
